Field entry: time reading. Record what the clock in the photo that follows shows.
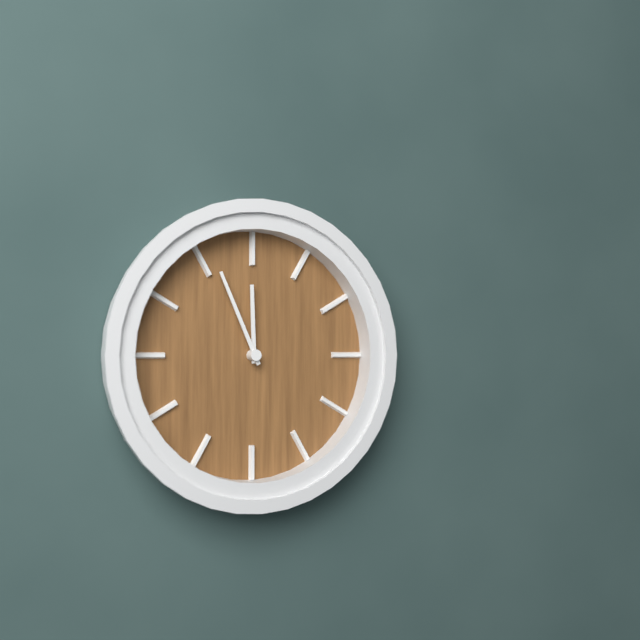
11:56
